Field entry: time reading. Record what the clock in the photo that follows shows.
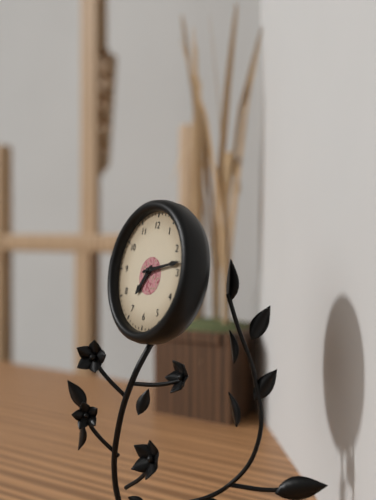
7:13
